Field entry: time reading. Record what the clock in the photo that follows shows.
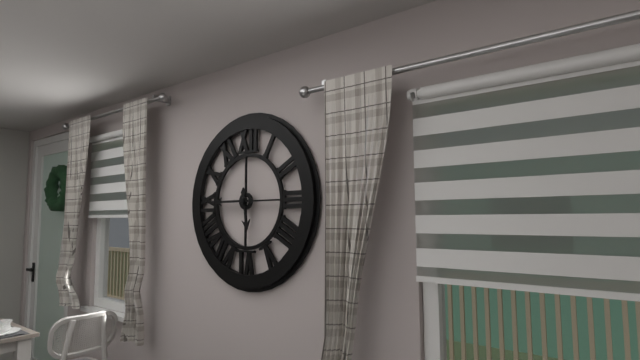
5:45
